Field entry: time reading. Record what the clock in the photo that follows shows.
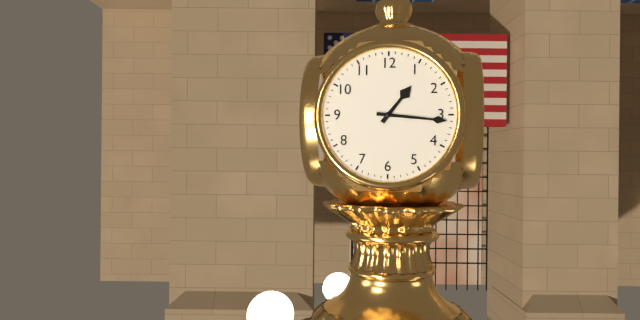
1:16
